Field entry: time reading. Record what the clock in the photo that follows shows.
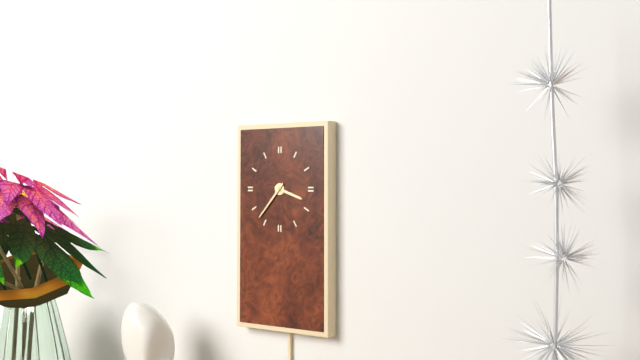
3:37
